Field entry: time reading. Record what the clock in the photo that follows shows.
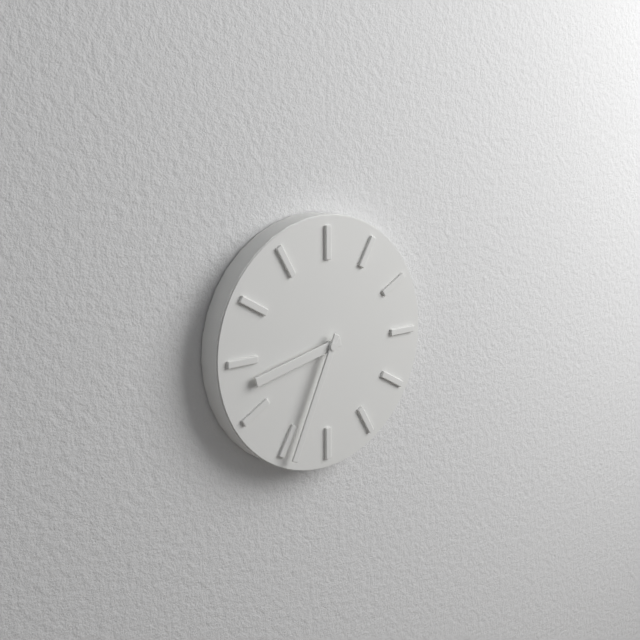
8:34
